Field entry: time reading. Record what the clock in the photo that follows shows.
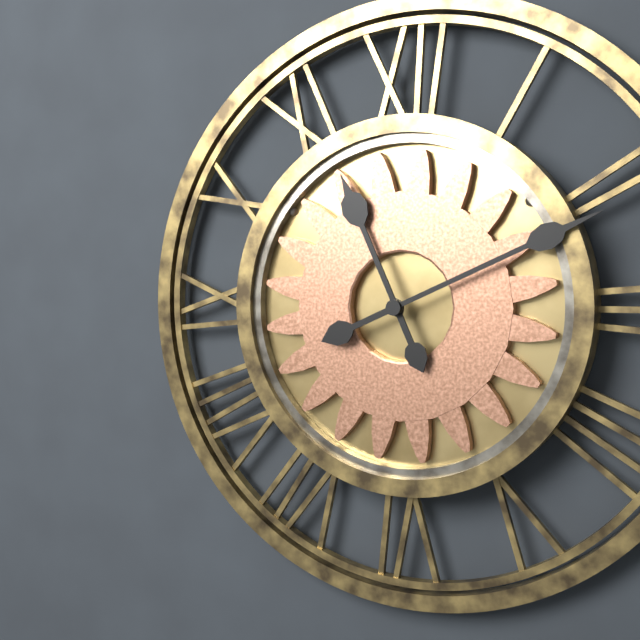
11:11
